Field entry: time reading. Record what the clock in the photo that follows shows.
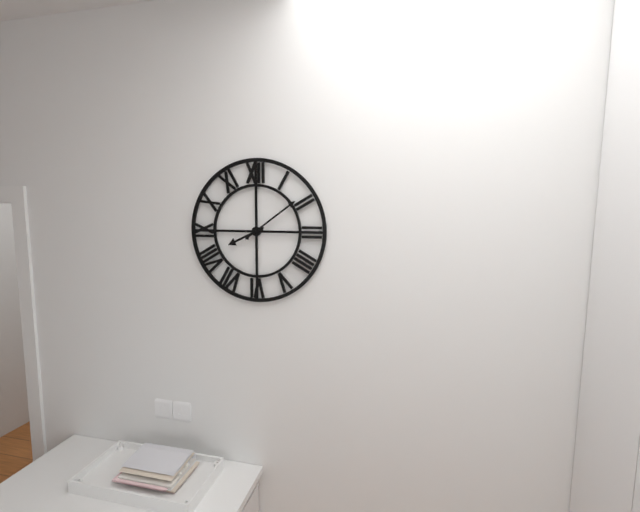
8:09
